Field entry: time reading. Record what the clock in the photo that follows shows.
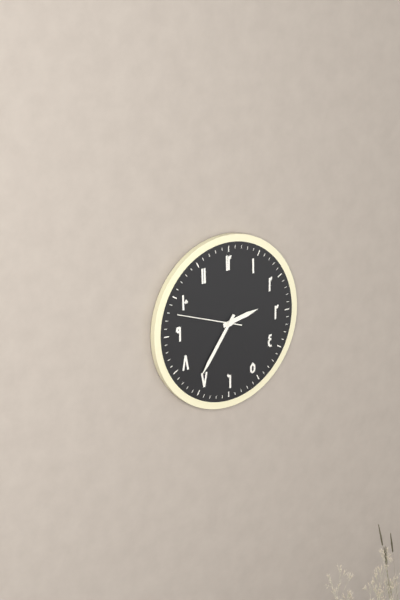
2:36:48
